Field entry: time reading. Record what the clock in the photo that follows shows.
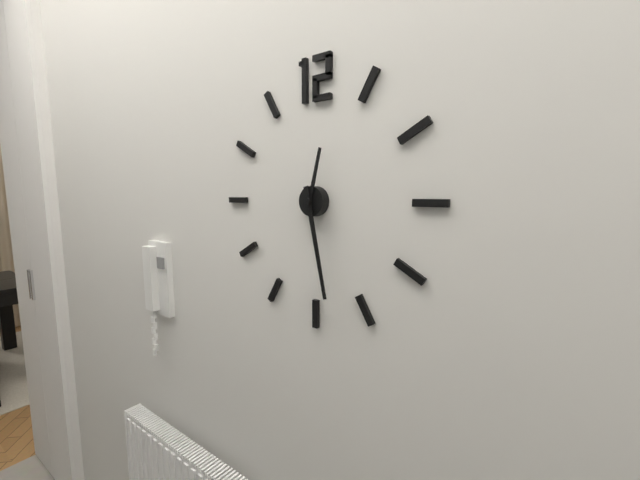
12:28
